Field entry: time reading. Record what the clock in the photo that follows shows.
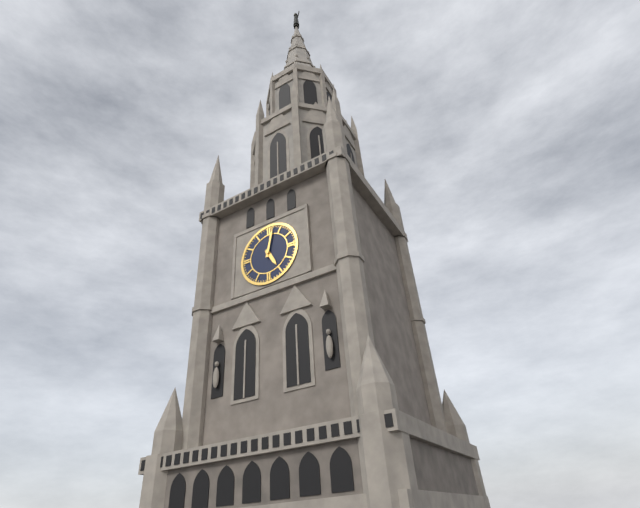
5:02
